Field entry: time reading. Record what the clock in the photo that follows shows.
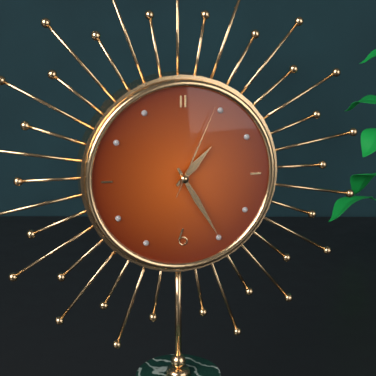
1:25:04
